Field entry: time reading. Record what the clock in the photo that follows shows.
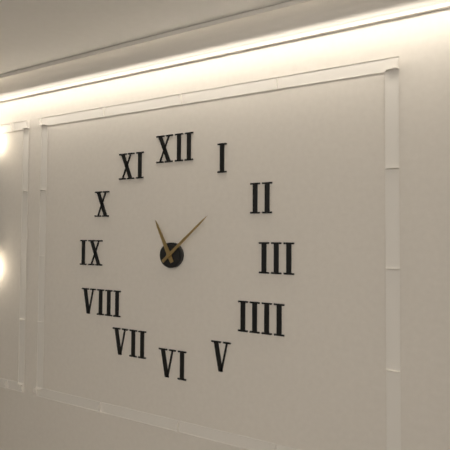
11:08
